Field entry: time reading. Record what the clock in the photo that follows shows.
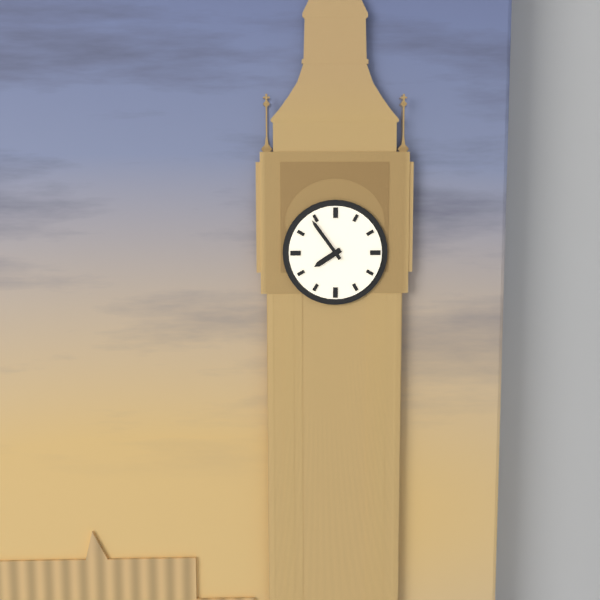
7:54
